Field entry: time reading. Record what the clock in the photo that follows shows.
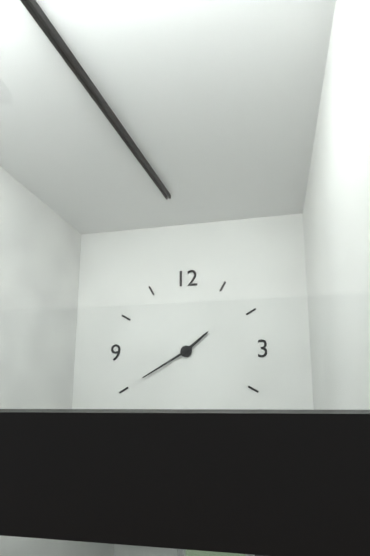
1:40
